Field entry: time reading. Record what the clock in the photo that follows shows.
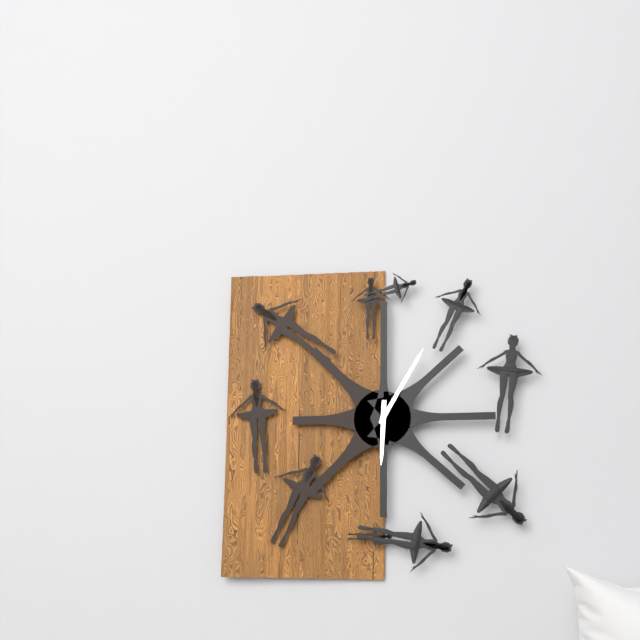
6:05
